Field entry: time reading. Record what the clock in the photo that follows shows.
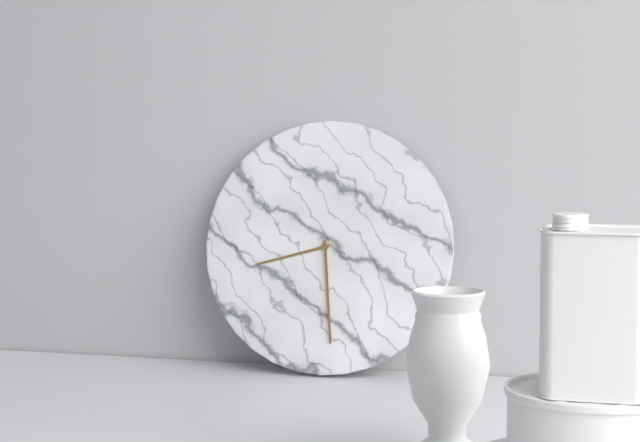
8:29
